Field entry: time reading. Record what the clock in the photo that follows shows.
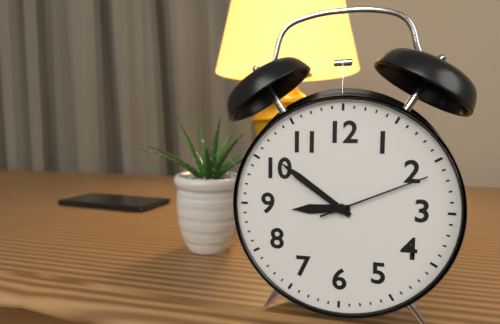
8:51:11
